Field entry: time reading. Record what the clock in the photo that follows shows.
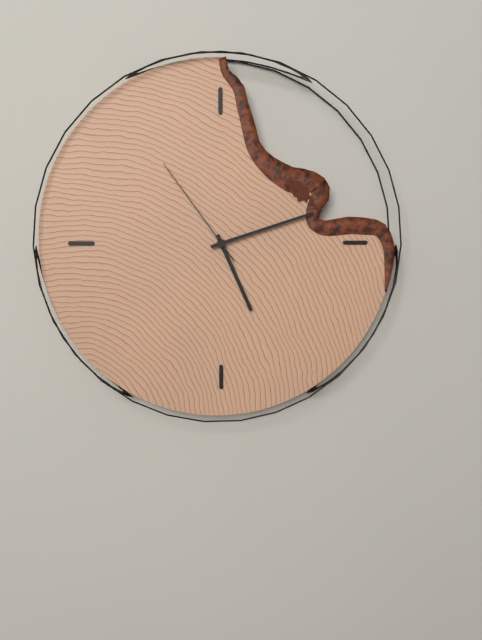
5:12:54
